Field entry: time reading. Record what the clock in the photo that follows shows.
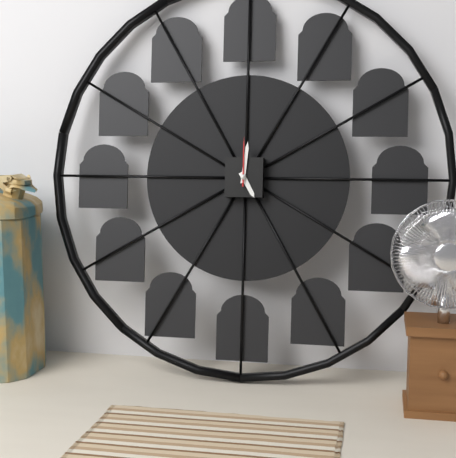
5:01:00
